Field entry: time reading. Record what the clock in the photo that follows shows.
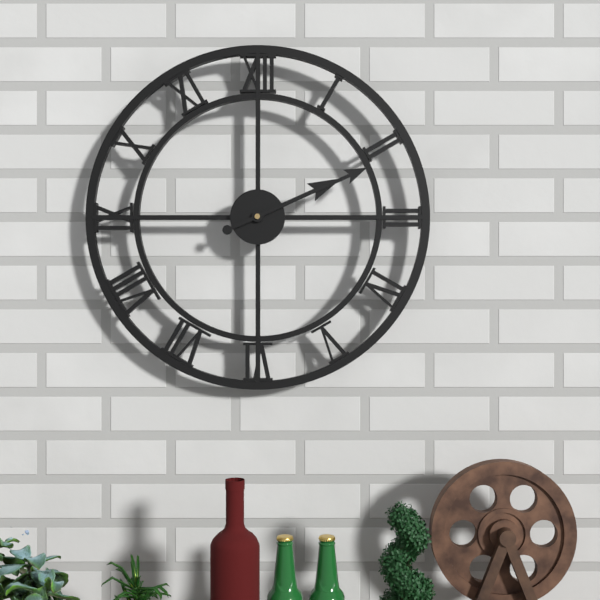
2:11
